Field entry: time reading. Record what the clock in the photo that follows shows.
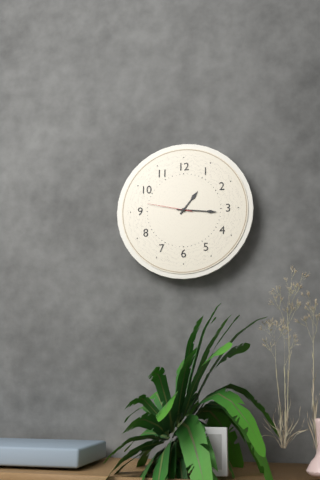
1:16
